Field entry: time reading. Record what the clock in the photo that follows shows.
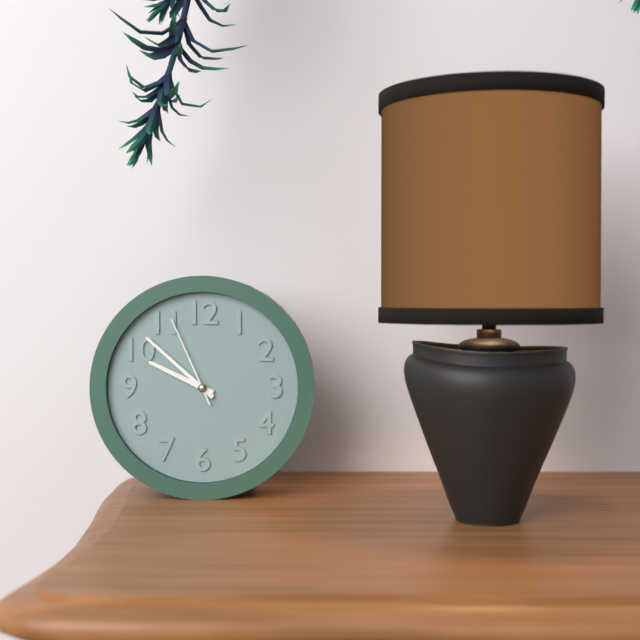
9:52:56
